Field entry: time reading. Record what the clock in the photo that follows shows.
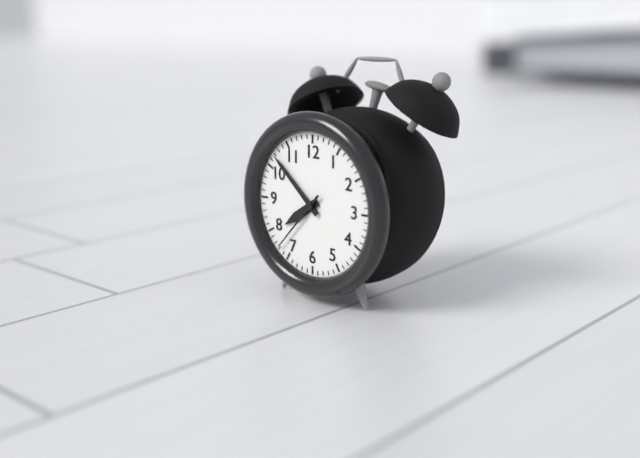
7:52:37
